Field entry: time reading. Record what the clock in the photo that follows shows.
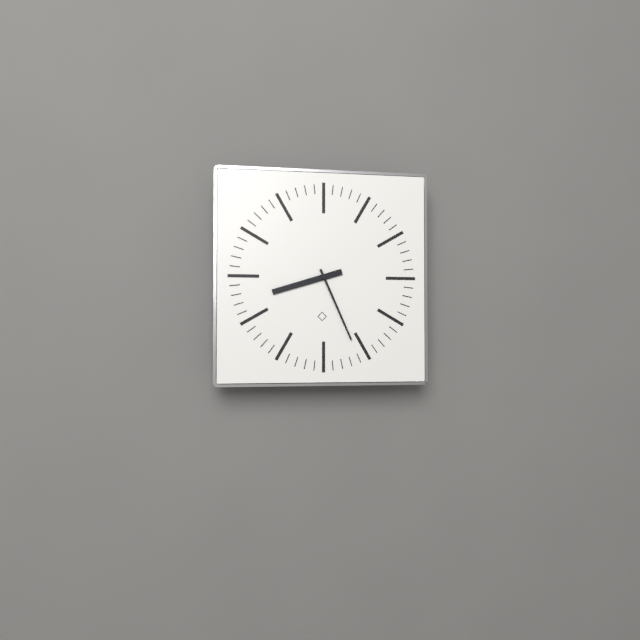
8:26
